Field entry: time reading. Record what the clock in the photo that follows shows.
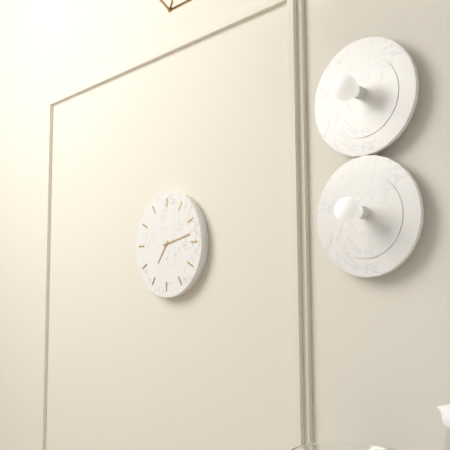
7:13
